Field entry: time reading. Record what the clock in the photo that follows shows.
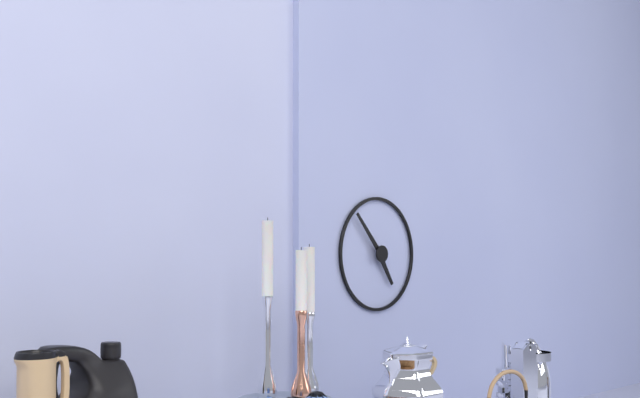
4:53
